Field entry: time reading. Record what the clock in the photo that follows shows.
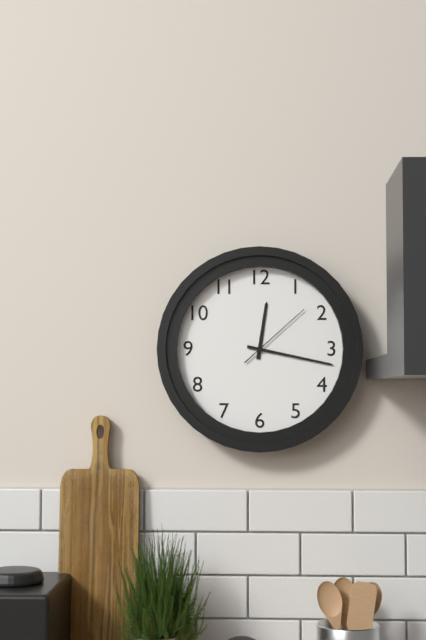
12:17:08
